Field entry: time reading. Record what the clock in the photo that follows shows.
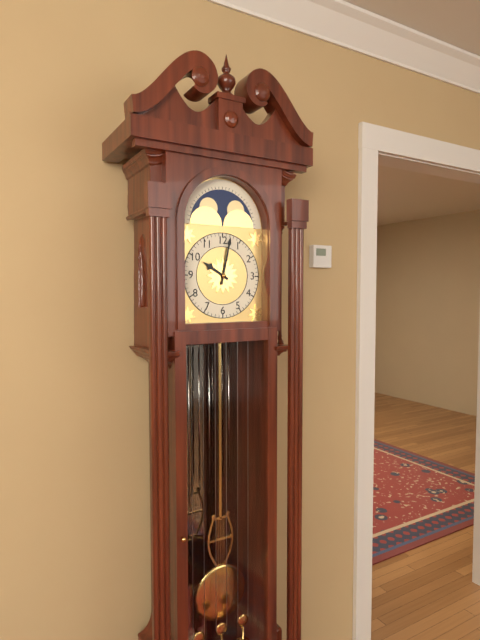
10:02
